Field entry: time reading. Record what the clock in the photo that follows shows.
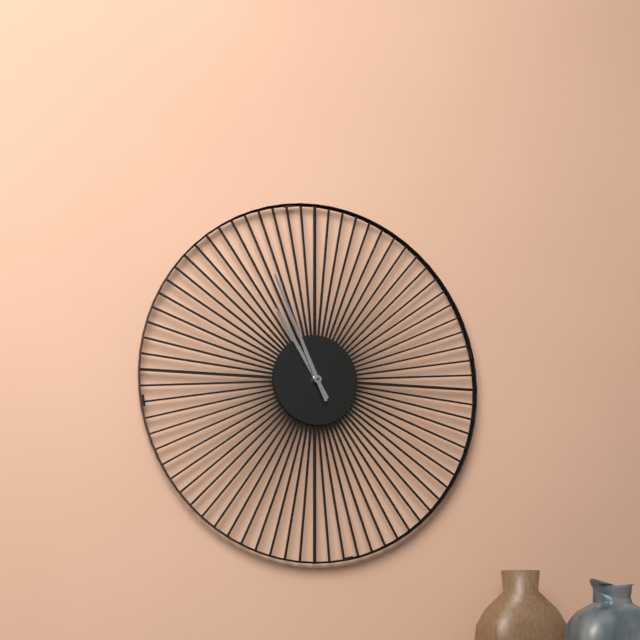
10:56
